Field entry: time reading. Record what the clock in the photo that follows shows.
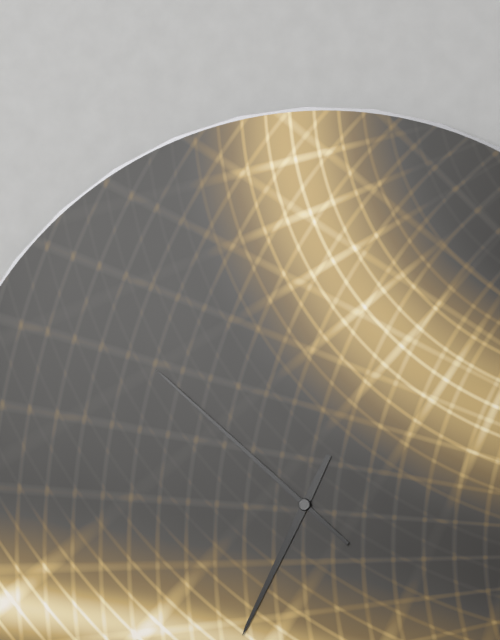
6:52
